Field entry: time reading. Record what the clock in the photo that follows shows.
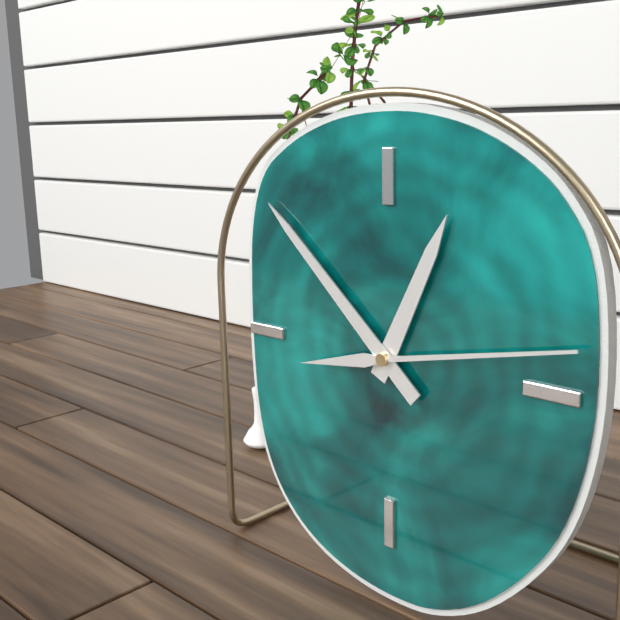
12:52:13
